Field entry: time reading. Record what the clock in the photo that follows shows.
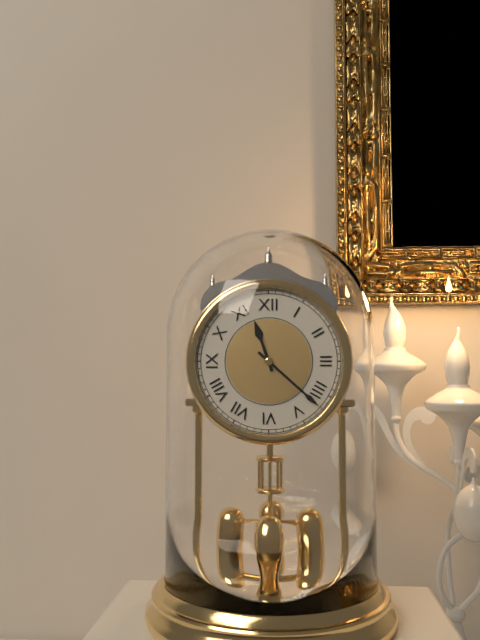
11:22
